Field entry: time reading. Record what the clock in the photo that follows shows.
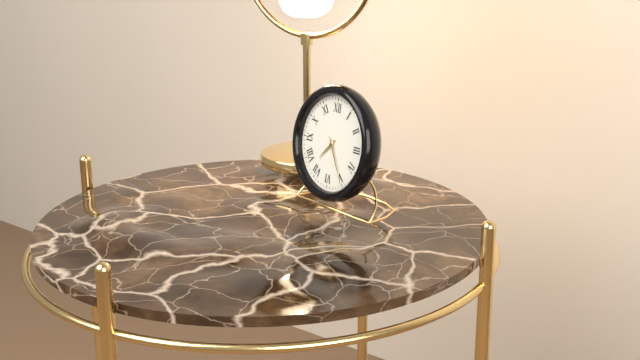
7:25
